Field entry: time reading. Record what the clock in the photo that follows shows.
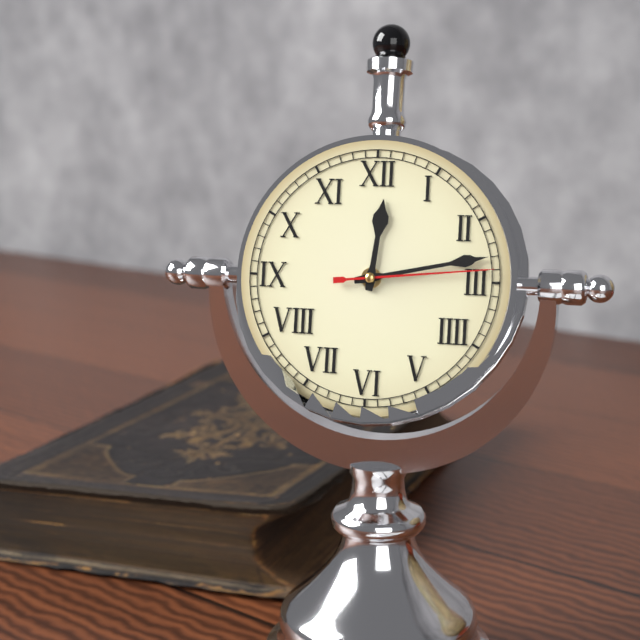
12:13:14
